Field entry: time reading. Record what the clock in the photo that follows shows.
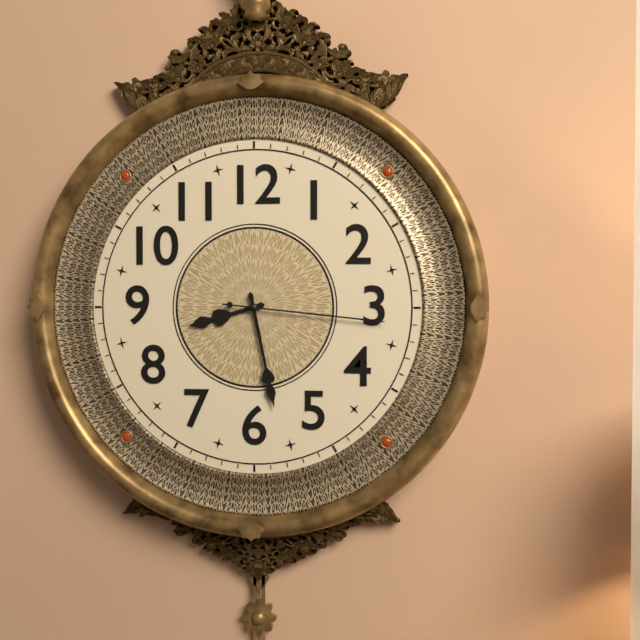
8:28:16
